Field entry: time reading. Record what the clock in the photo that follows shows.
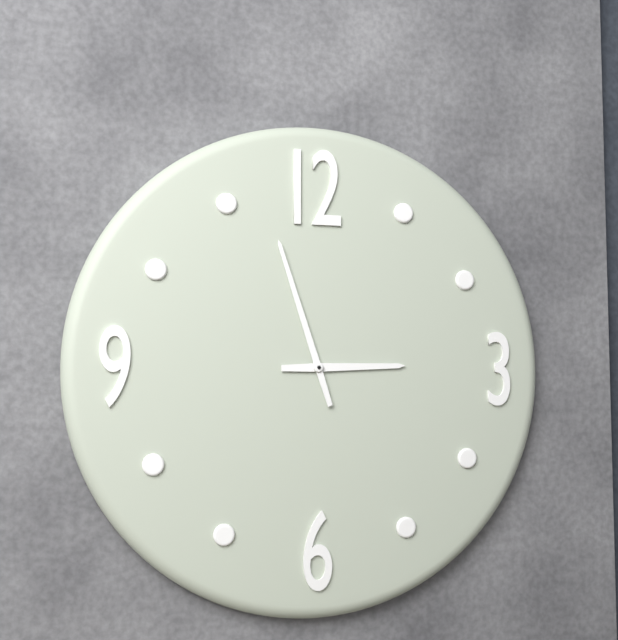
2:57
